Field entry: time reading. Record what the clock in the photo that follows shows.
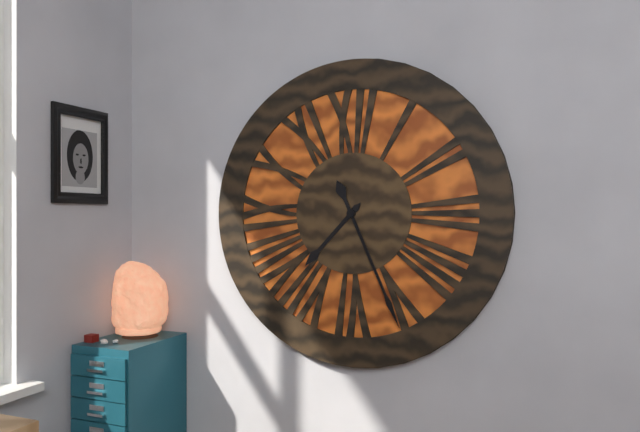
7:26
